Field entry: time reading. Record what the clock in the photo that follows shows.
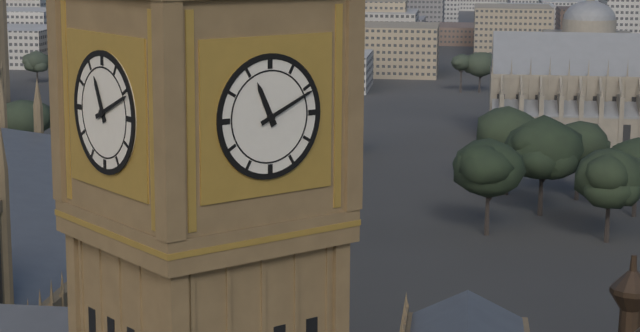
11:11
